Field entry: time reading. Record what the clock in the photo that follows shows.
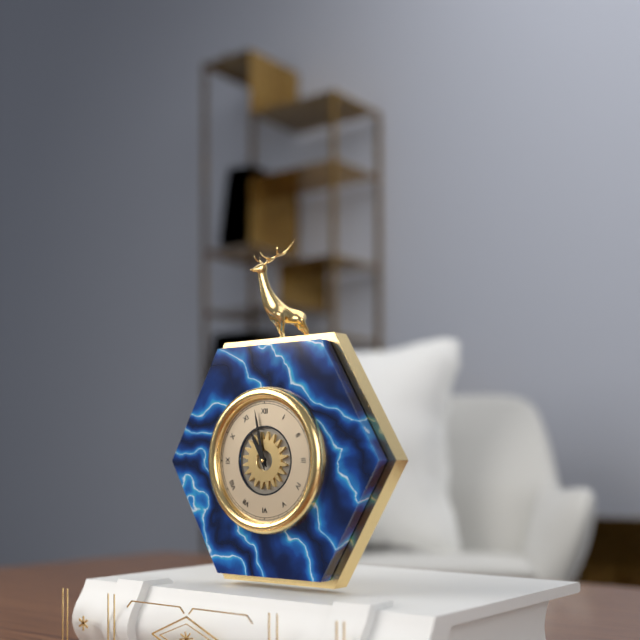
10:58
